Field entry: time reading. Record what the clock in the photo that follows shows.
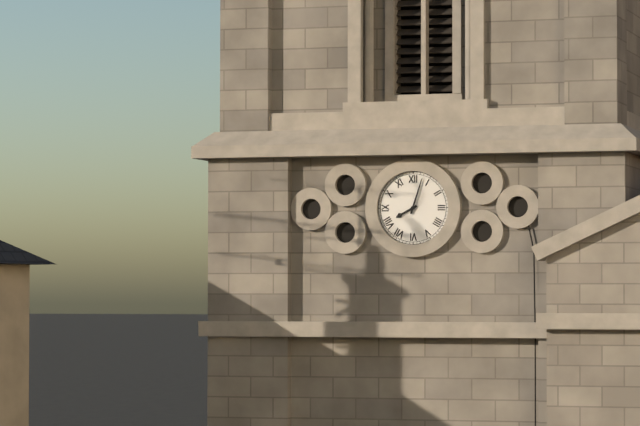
8:03
